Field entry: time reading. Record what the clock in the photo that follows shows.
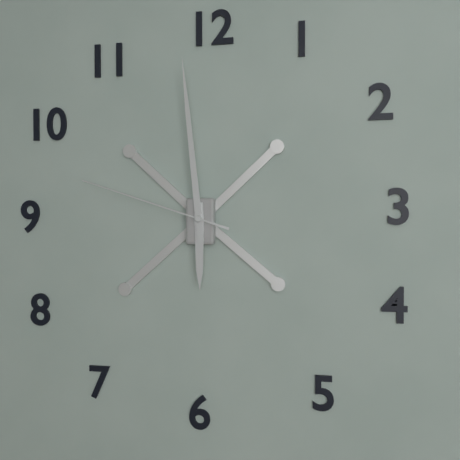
5:59:48
